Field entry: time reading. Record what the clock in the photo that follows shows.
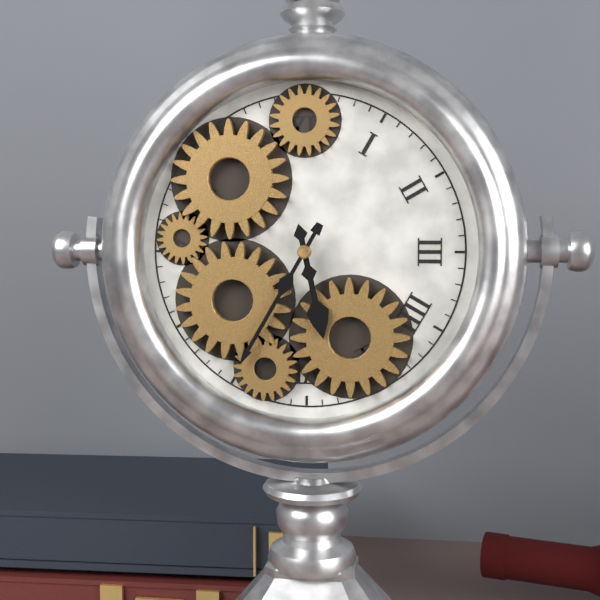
5:35
